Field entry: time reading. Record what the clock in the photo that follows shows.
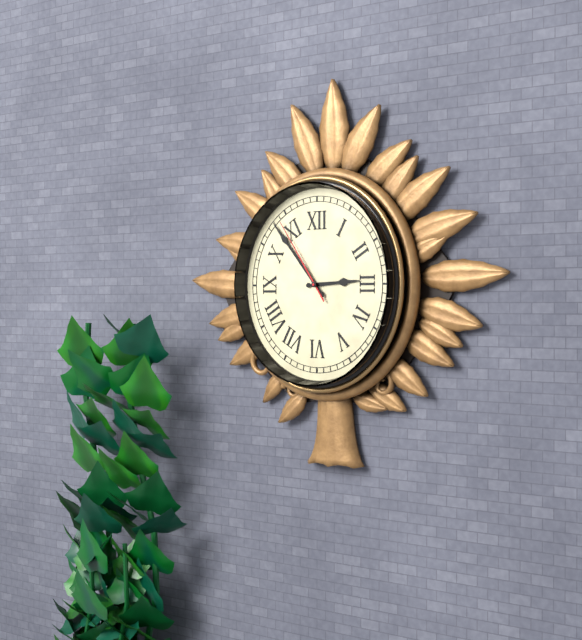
2:53:54
